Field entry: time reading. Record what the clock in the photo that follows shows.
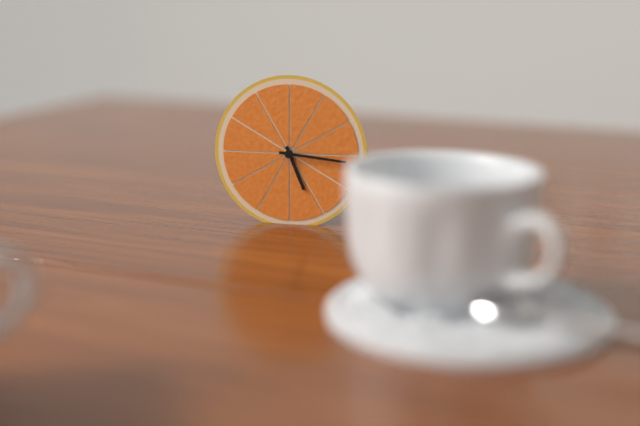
5:16
